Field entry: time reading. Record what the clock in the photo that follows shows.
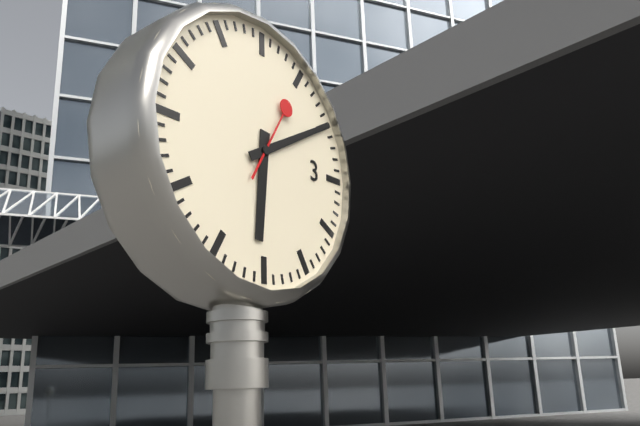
6:10:05
